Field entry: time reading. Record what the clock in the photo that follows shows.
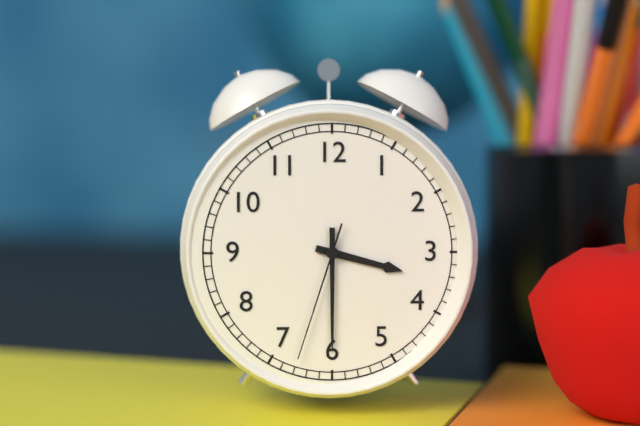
3:30:33
